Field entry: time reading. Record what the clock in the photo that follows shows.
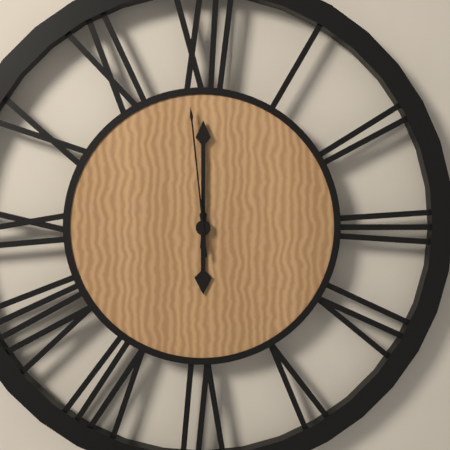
6:00:59
